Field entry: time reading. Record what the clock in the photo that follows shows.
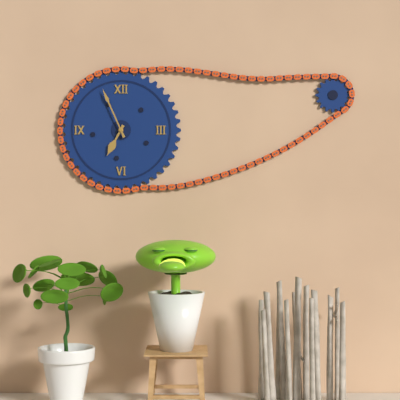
6:56
